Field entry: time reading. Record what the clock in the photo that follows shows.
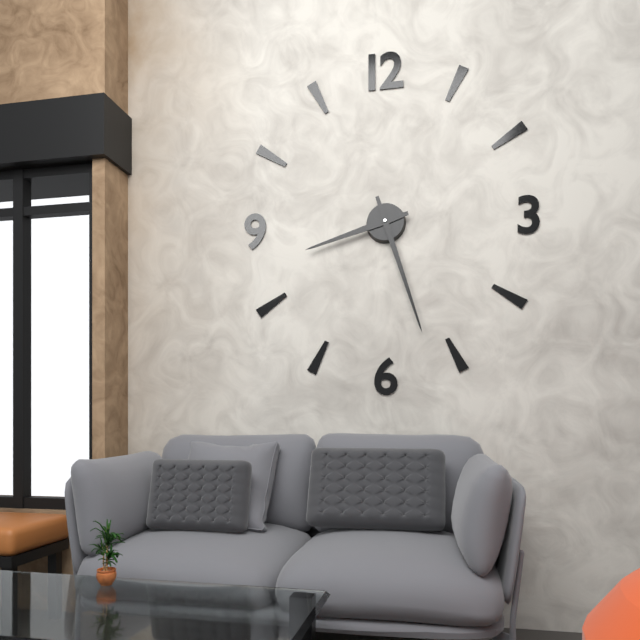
8:27
